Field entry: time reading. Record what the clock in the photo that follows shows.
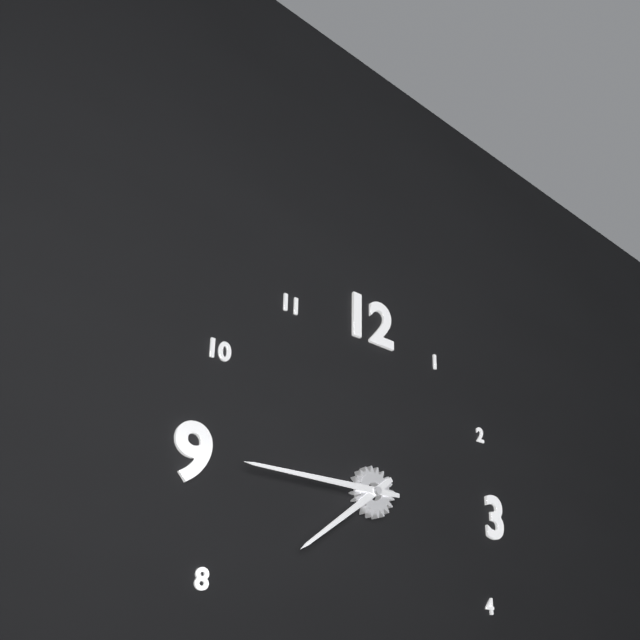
7:45
